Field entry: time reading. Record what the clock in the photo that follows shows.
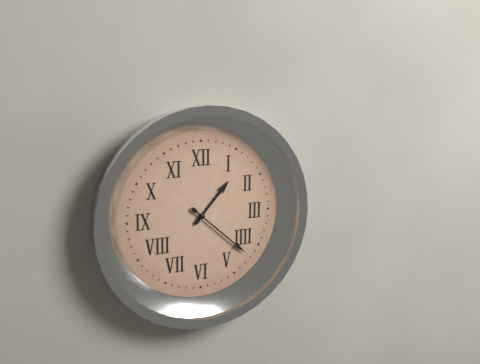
1:22
